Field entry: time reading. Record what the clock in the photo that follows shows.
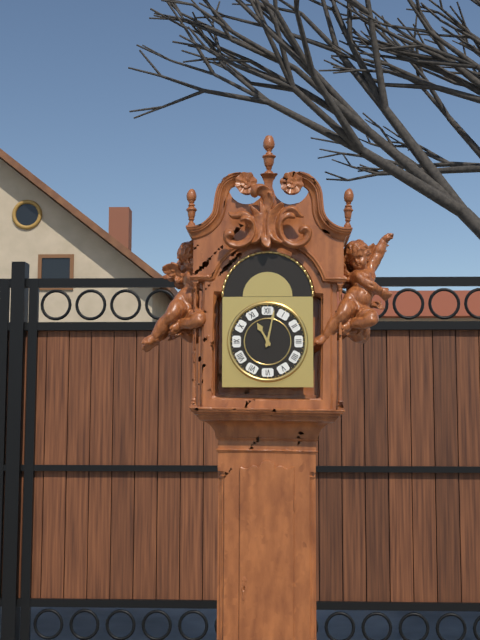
11:02
